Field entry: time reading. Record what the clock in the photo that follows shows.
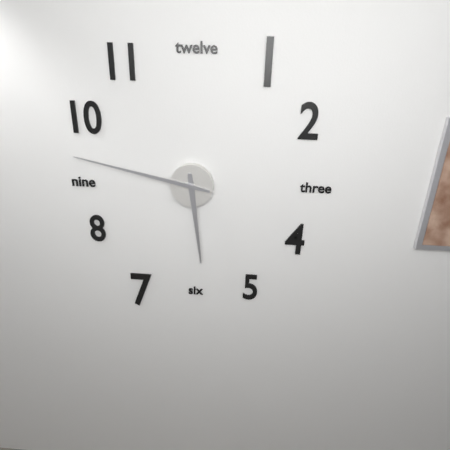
5:47
